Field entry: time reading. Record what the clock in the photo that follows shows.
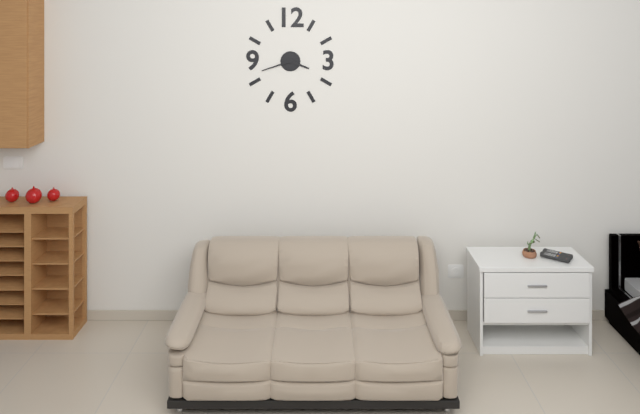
3:42
